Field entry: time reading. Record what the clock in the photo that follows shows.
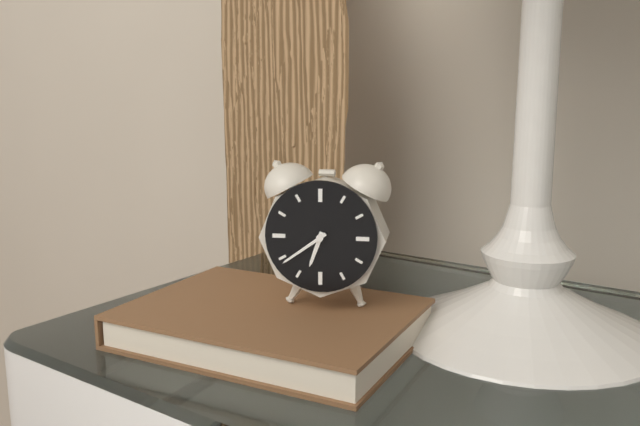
6:39
